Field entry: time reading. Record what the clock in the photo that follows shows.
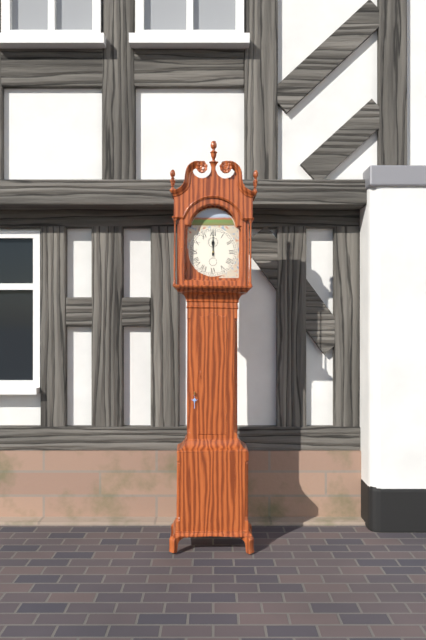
12:00
